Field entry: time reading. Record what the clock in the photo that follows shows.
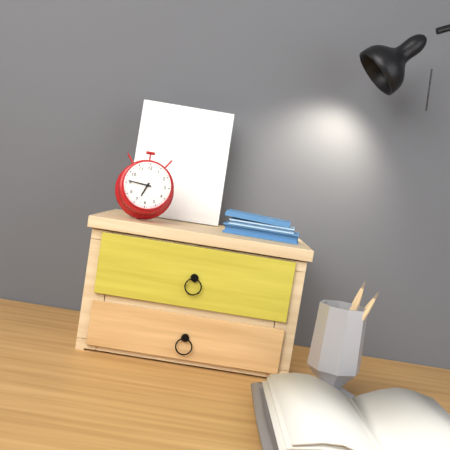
6:46
